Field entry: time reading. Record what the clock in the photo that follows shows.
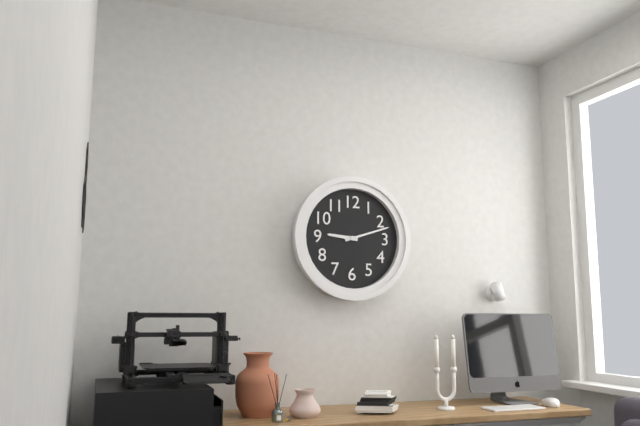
9:12
